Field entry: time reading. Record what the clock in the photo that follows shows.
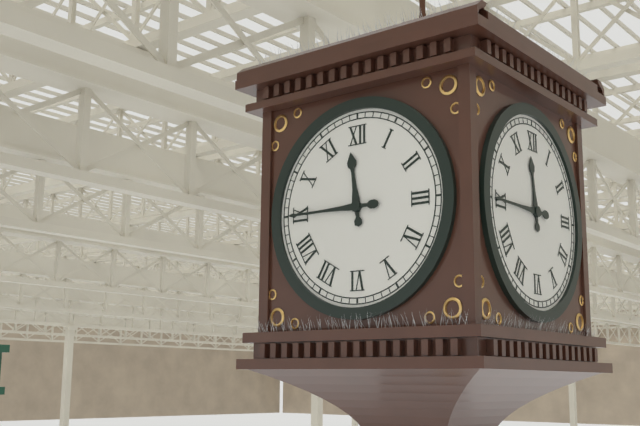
11:45
